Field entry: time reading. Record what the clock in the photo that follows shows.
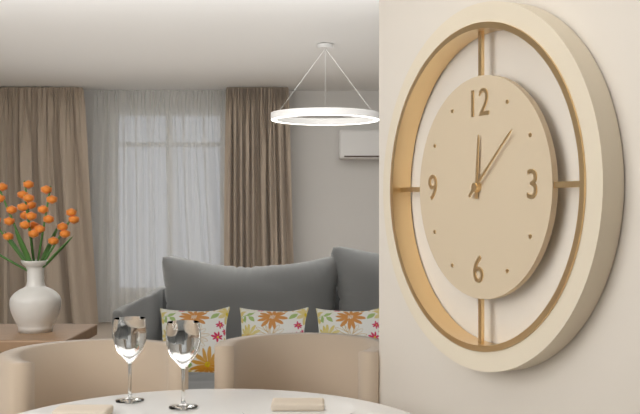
12:08
